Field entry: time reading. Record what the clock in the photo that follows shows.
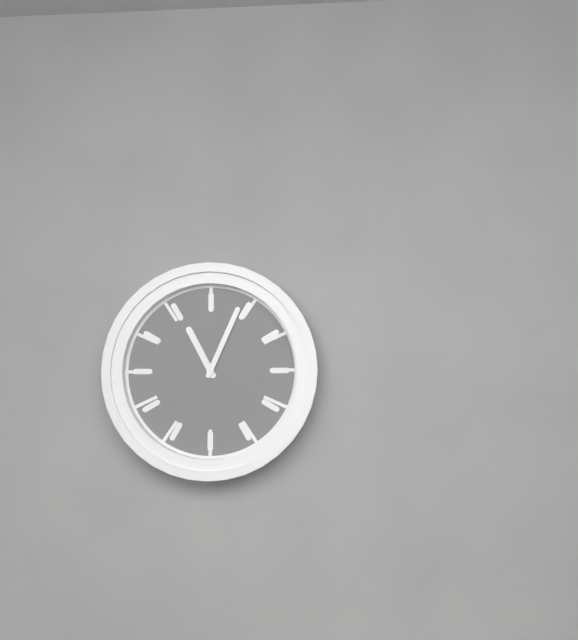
11:04
